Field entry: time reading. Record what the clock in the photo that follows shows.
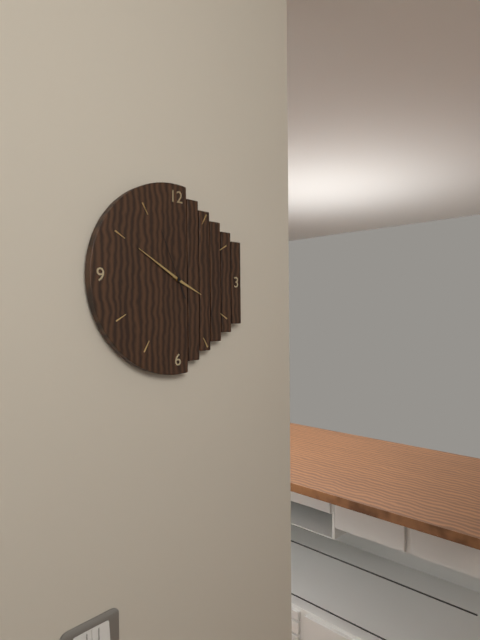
3:50:56
